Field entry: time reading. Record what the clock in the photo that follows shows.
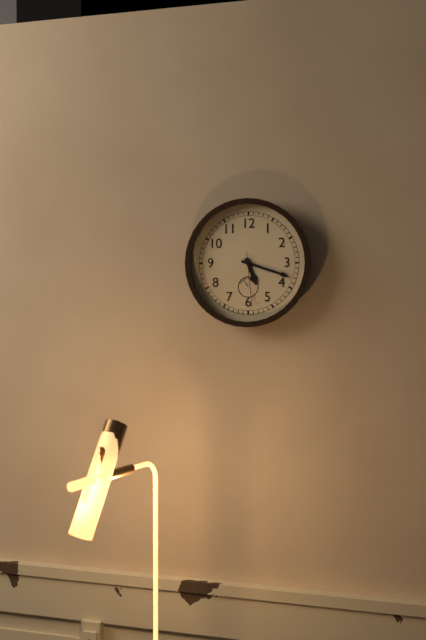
5:18:29
